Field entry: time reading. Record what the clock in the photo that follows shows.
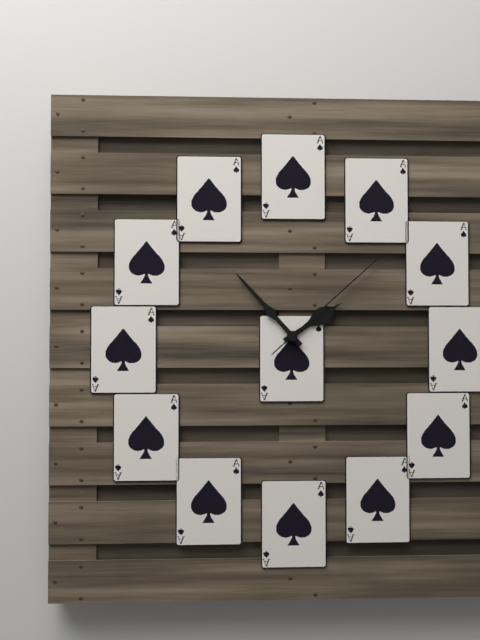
1:53:08
